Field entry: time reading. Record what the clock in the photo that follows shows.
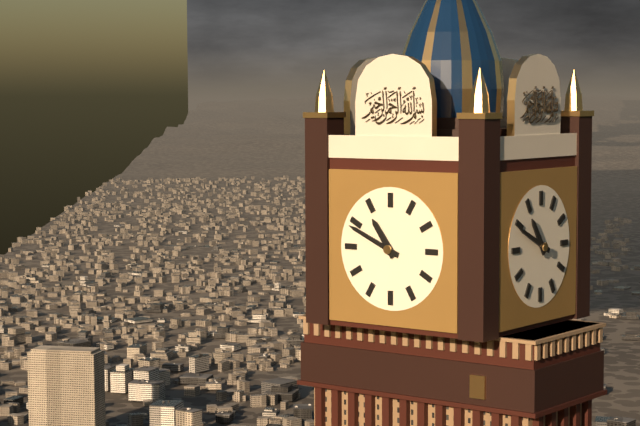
10:49
